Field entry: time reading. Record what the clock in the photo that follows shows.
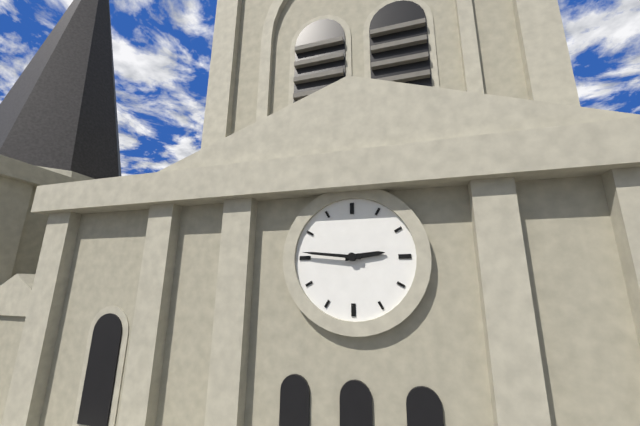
2:46
